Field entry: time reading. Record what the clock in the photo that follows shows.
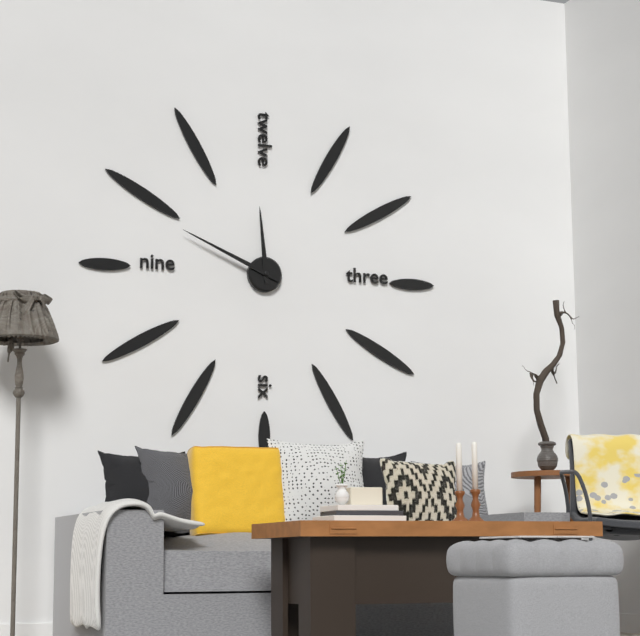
11:49
